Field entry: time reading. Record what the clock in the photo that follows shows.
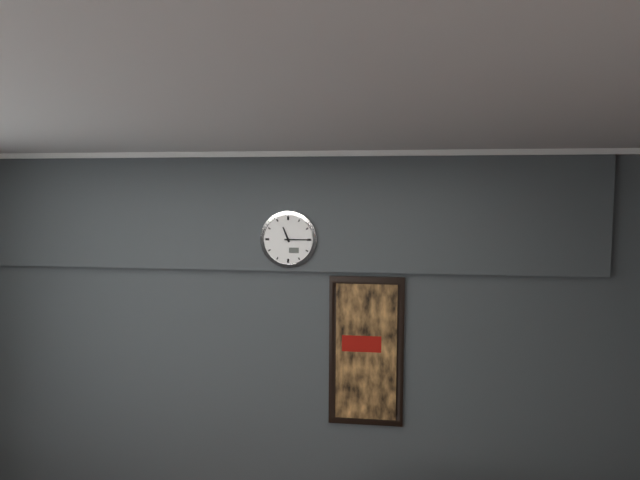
11:15
